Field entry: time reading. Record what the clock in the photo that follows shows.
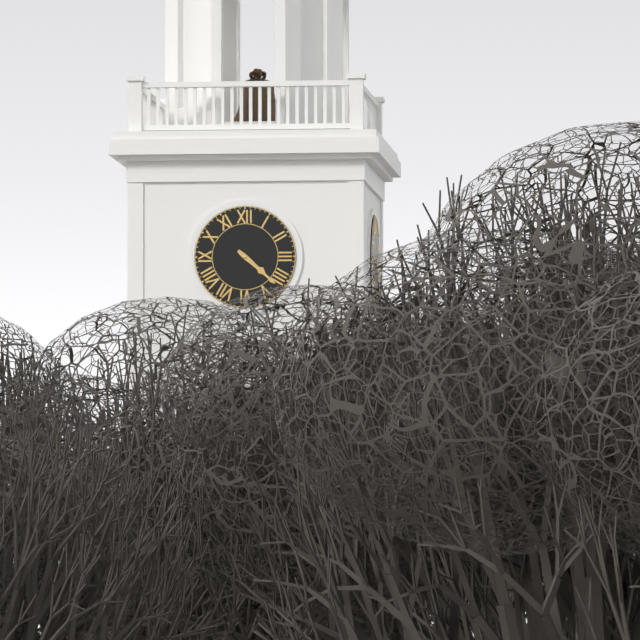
4:22
